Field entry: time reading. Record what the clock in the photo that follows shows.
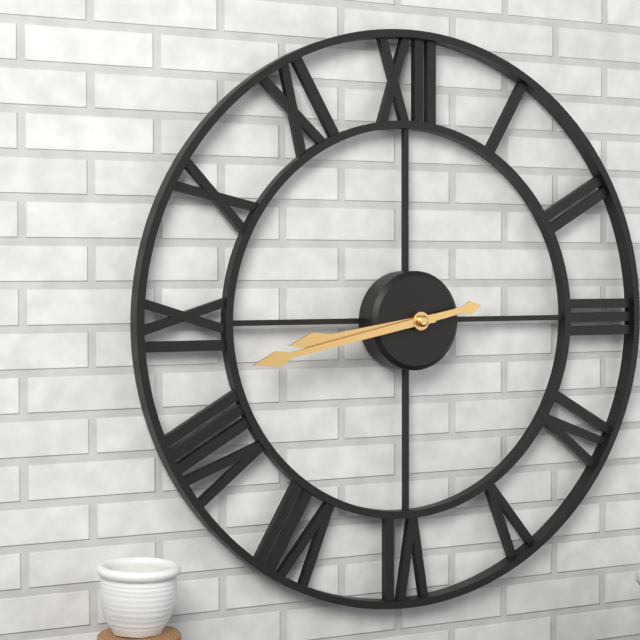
8:43
